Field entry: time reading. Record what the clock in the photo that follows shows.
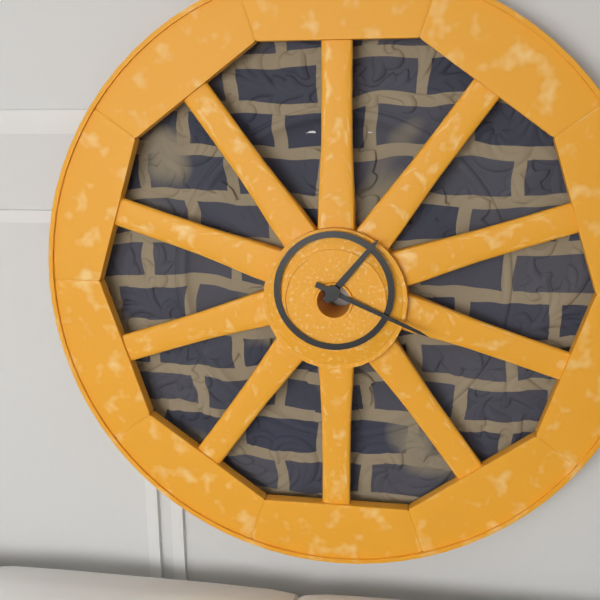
1:19
